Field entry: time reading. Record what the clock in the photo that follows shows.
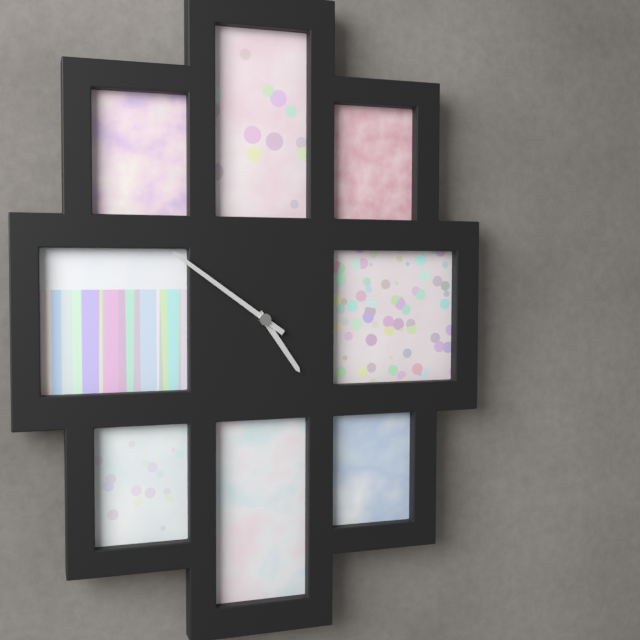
4:51
